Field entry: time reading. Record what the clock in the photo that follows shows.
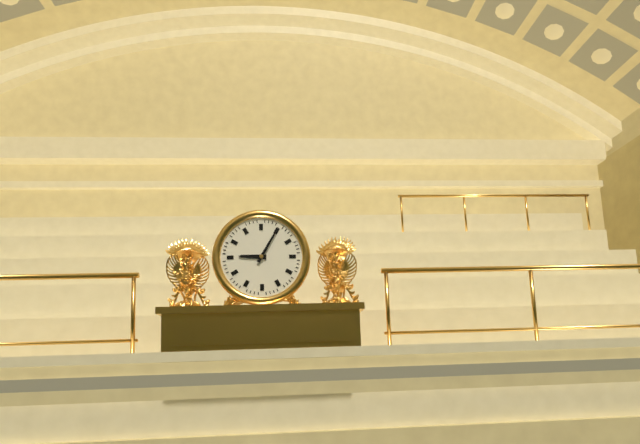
9:05
